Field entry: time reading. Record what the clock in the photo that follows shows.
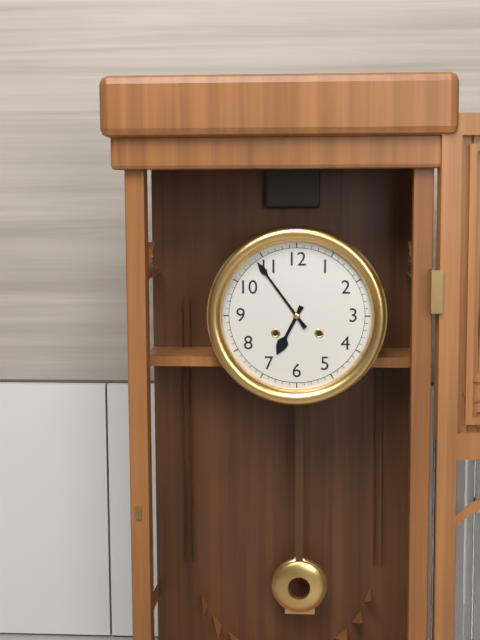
6:54
